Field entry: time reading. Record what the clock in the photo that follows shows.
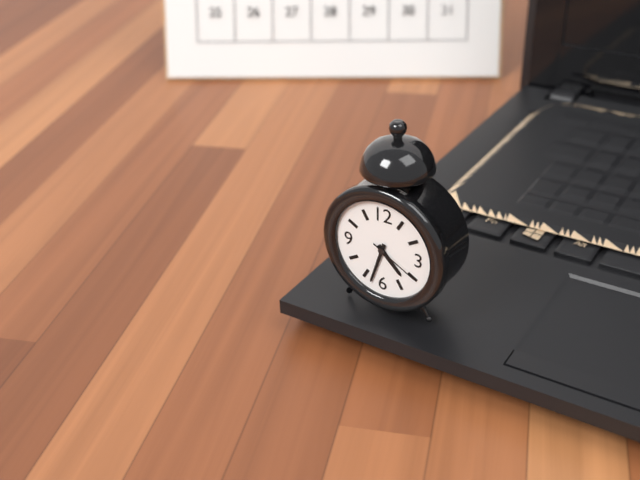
4:33:20
